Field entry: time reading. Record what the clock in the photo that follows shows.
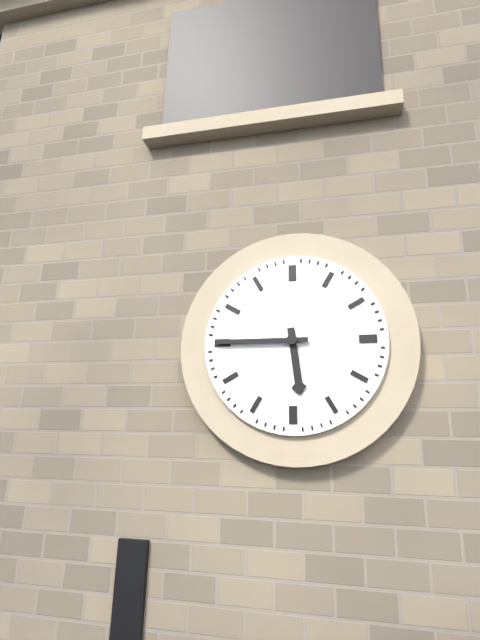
5:45
